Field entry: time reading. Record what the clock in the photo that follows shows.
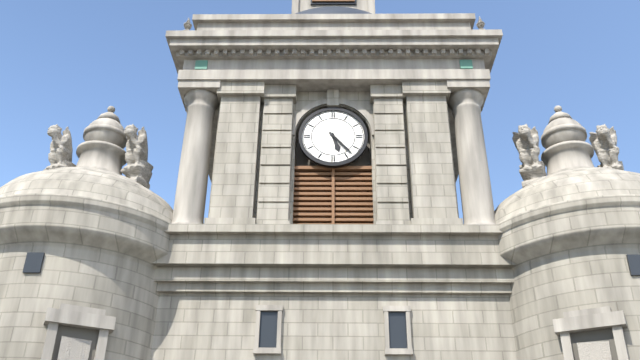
5:23
